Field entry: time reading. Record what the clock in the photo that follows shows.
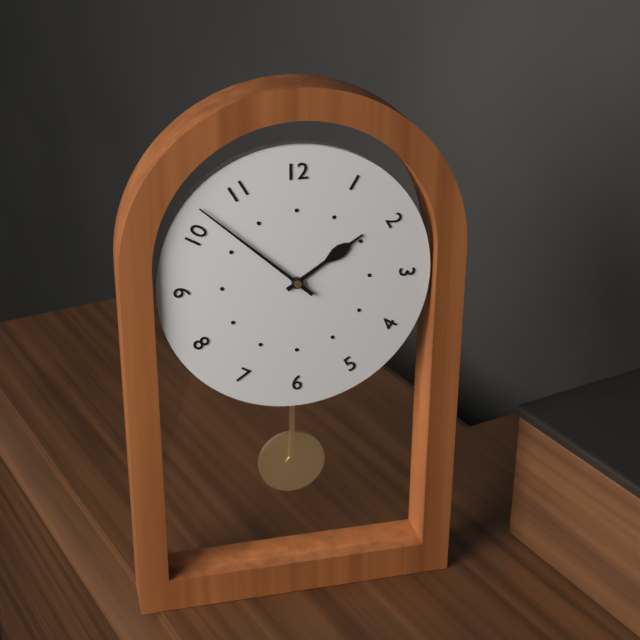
1:52
